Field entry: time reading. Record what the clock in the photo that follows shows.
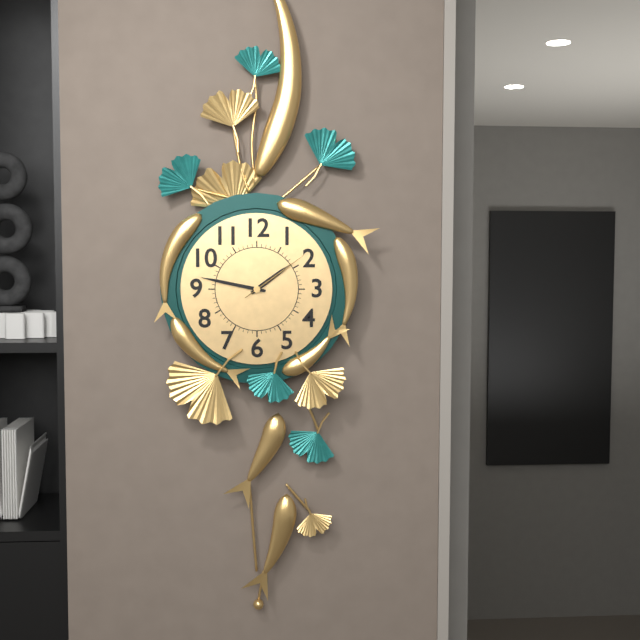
1:47:09
